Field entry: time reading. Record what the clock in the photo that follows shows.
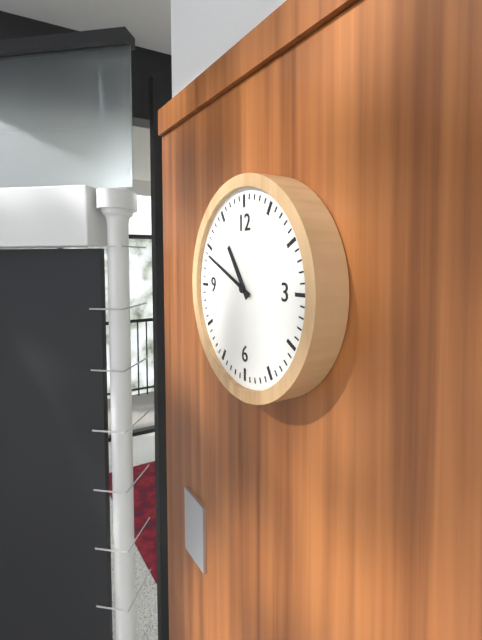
10:49
